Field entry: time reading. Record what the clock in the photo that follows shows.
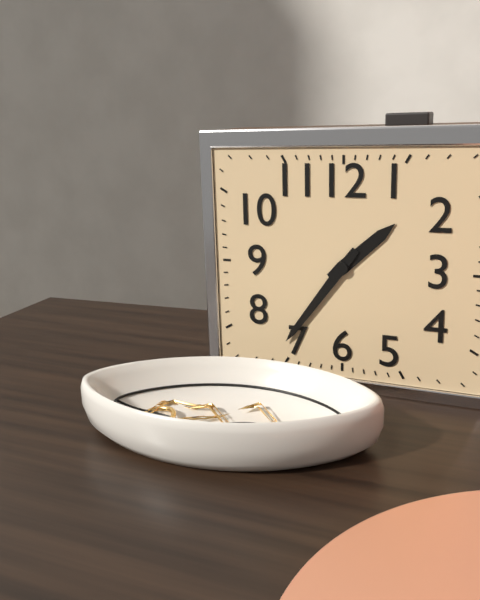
1:36
